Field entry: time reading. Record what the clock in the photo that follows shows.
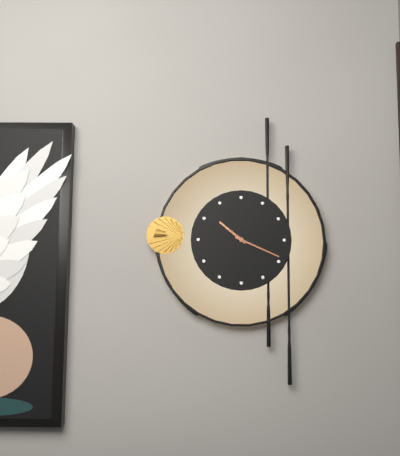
10:19
